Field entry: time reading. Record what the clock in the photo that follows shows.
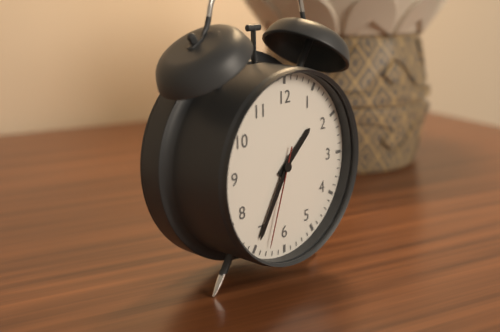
1:35:33
